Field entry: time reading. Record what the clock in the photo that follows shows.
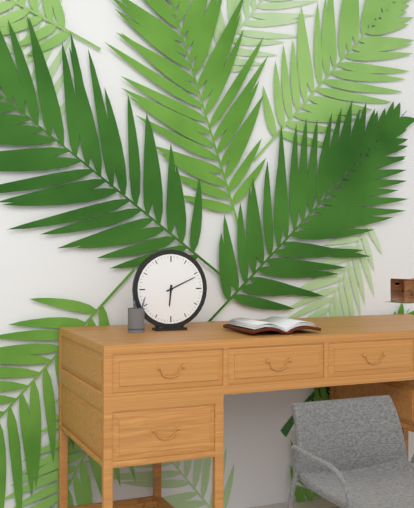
6:11
